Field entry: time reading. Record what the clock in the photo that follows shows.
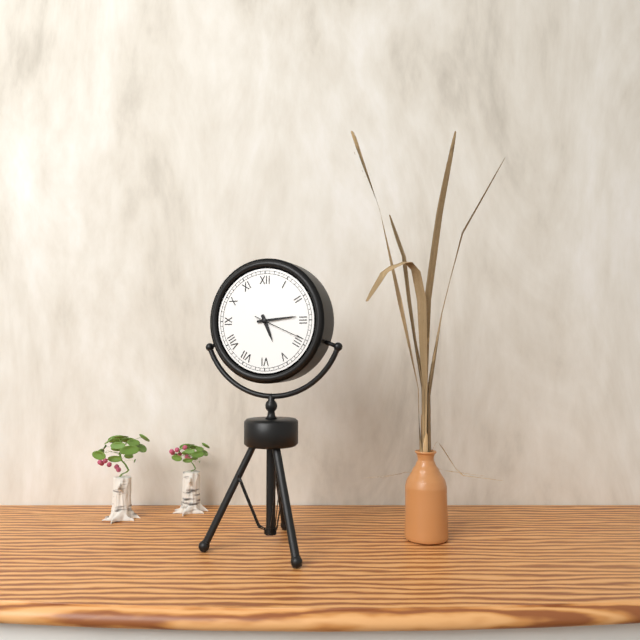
5:14
